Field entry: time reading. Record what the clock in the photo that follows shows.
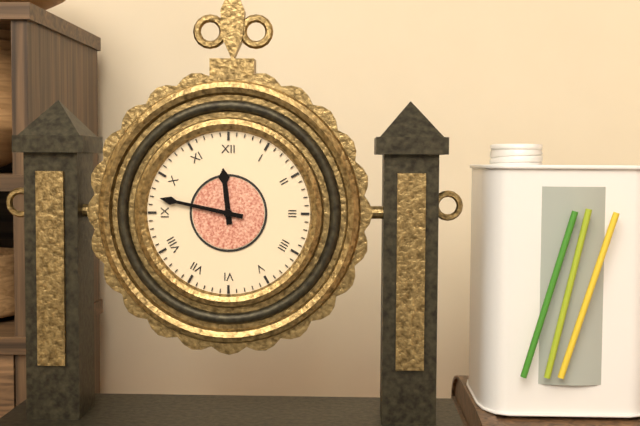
11:47
